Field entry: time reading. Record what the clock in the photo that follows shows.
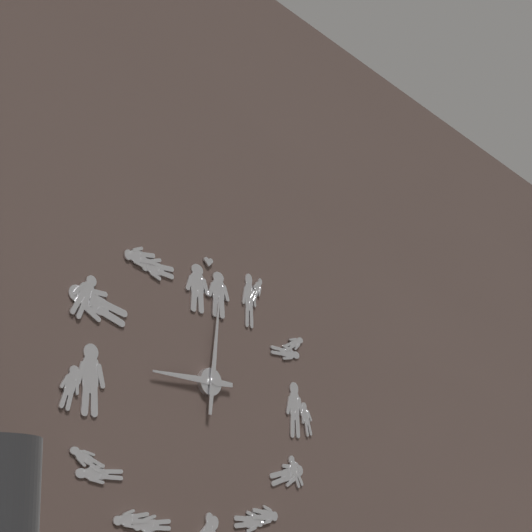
9:01
